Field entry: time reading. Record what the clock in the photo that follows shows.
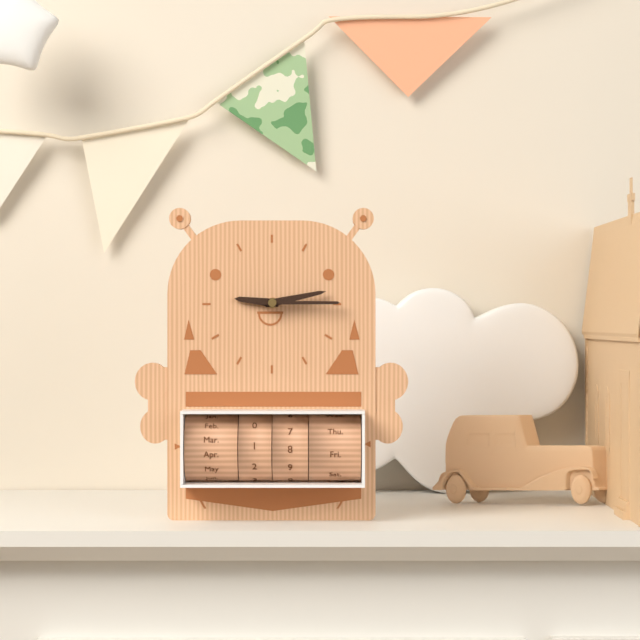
9:13:15
